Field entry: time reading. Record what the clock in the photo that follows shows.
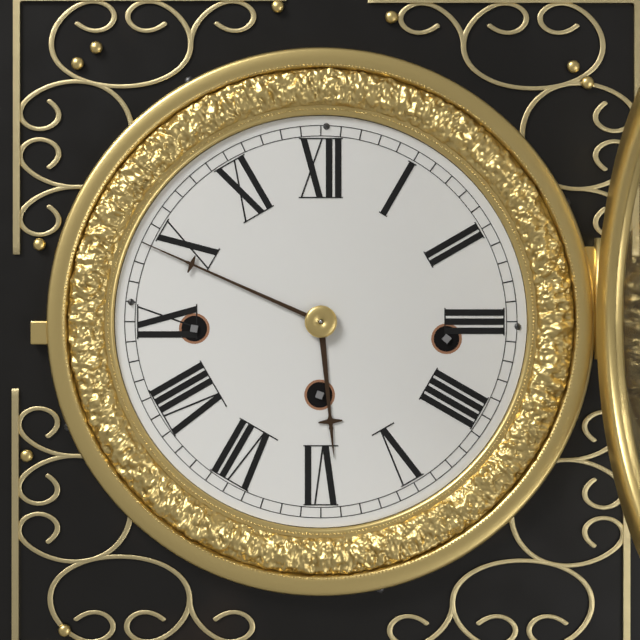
5:49
